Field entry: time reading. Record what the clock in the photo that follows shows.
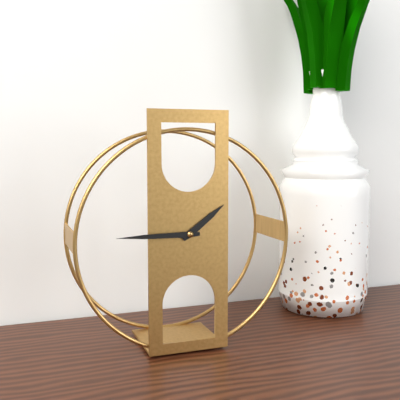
1:45
